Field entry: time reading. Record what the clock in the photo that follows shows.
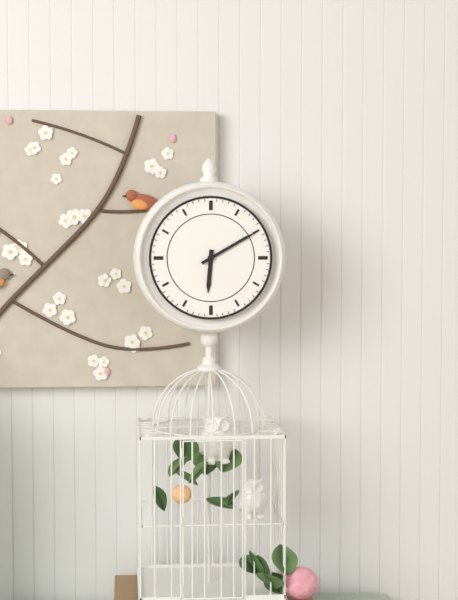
6:10
